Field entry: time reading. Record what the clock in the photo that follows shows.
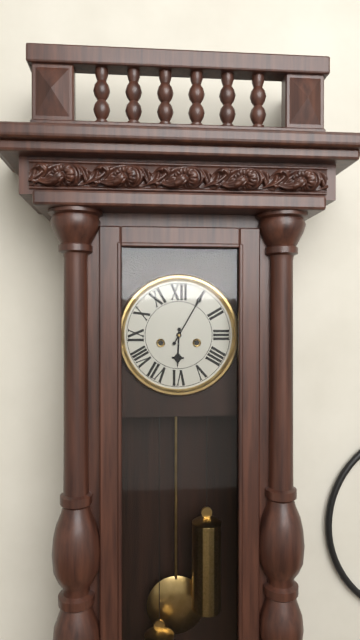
6:05
